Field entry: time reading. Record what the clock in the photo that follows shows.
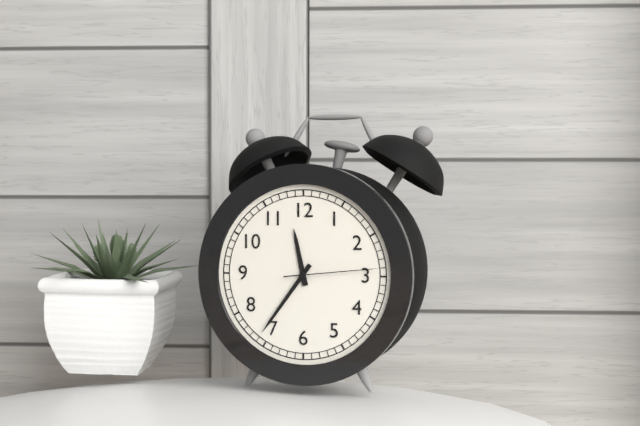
11:36:14
